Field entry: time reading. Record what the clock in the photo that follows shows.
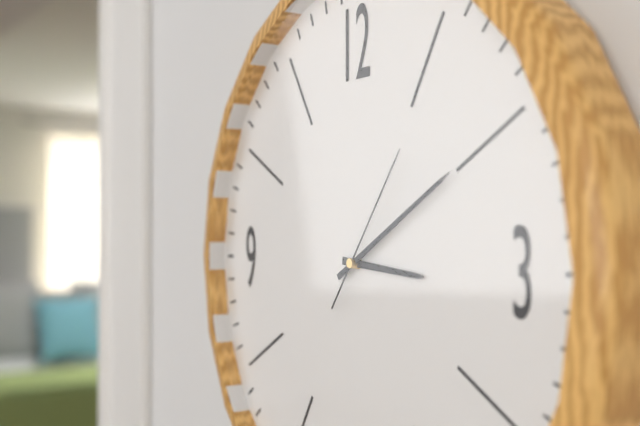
3:10:06
